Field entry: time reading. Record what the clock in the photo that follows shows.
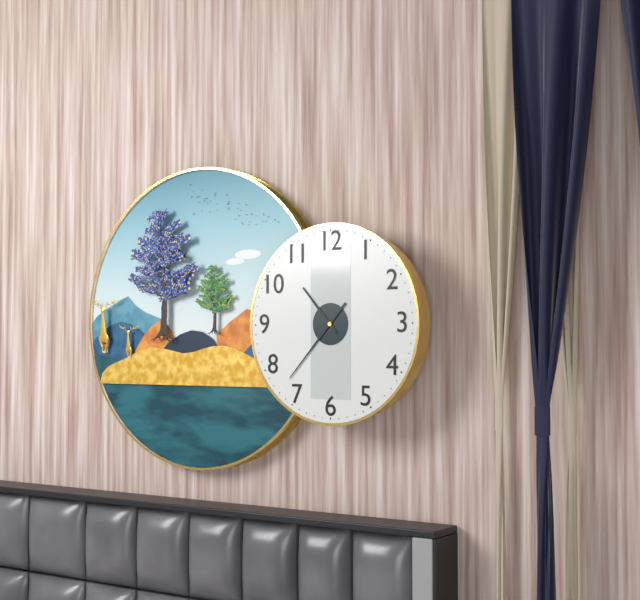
10:37
